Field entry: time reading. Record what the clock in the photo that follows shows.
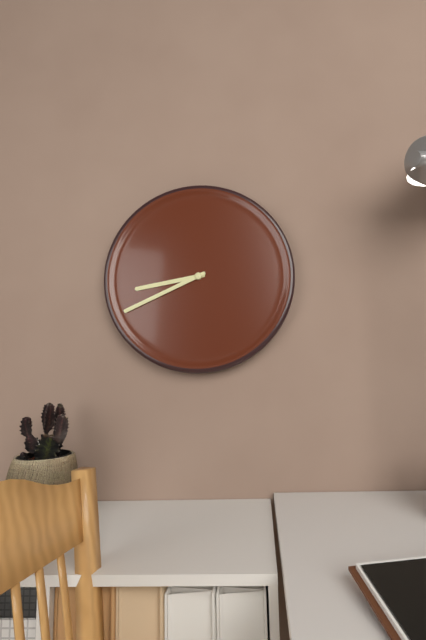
8:41
